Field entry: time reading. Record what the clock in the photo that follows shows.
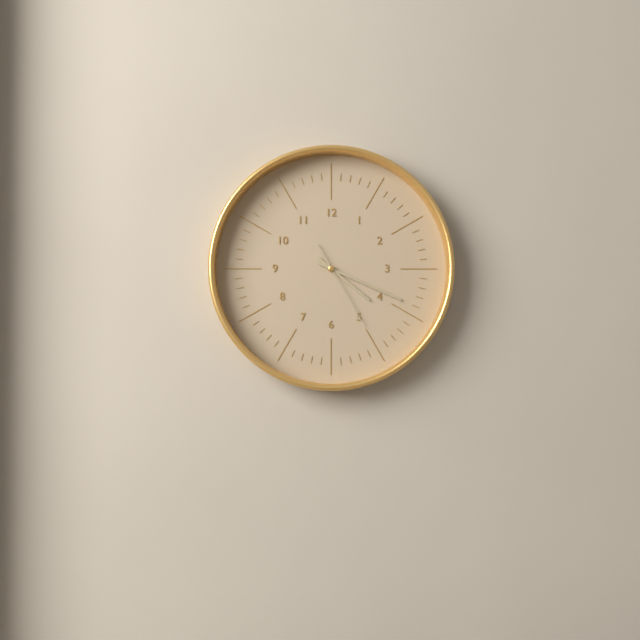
4:19:25
